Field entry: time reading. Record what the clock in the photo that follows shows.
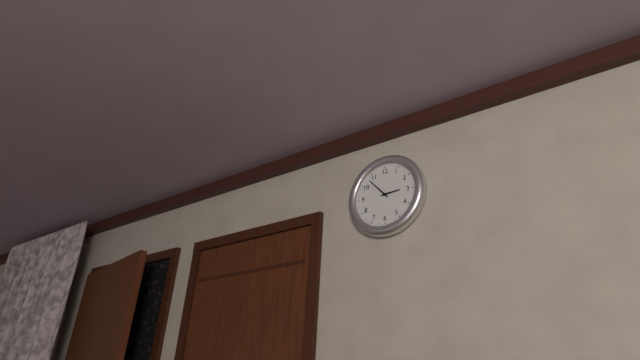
2:53
